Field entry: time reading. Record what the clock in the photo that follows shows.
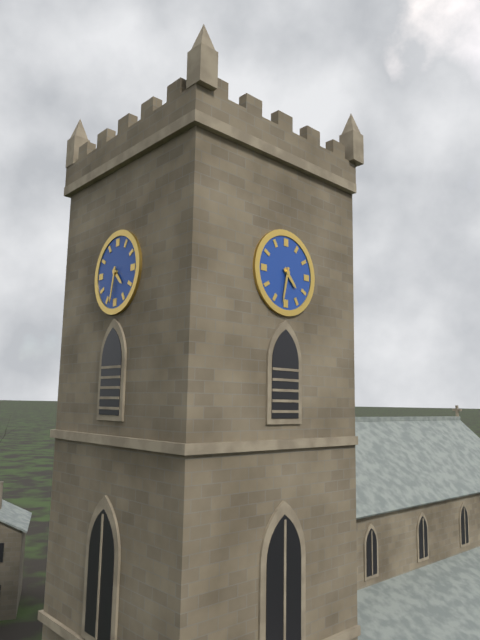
4:32
